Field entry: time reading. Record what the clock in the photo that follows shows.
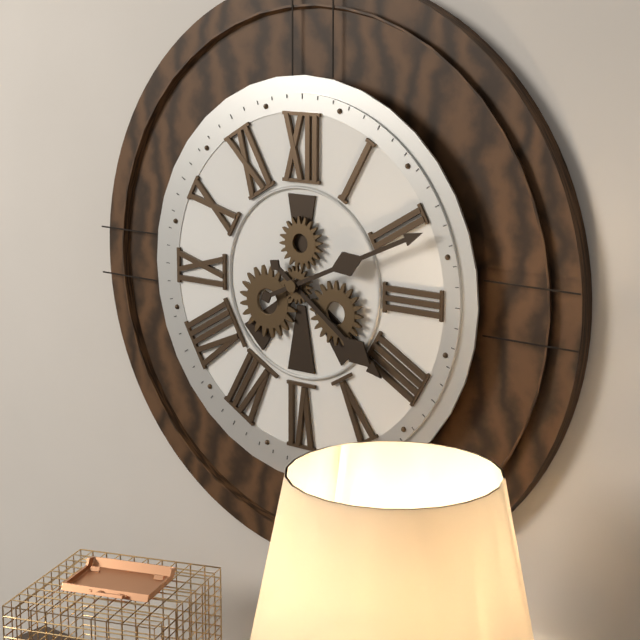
4:11
